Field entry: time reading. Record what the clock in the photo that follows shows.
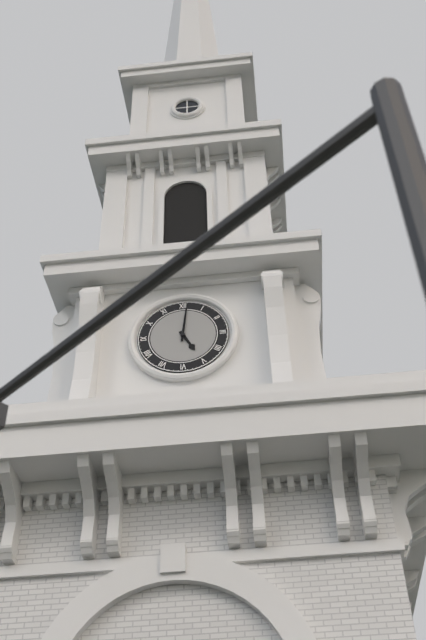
5:01
